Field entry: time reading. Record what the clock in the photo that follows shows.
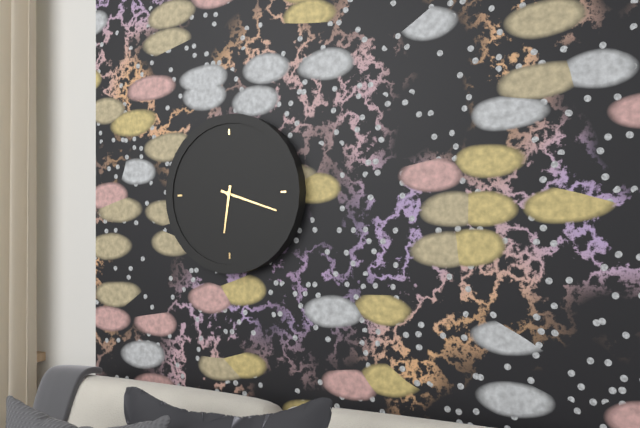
6:18
